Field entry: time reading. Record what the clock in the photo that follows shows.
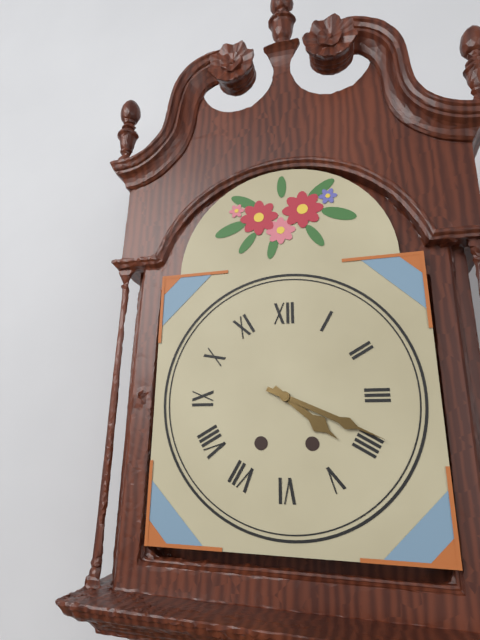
4:19
